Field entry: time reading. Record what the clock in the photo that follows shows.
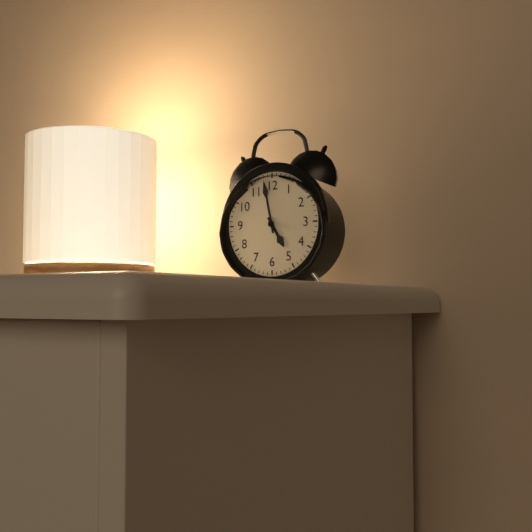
4:58
